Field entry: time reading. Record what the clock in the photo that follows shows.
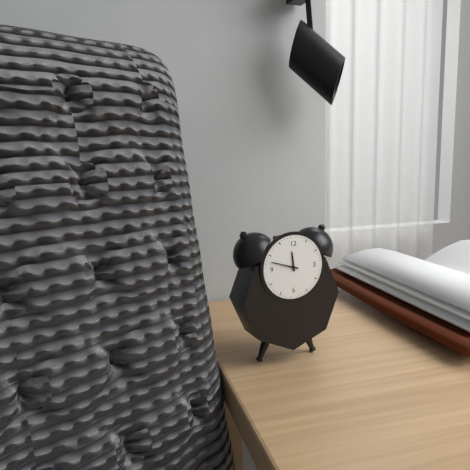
11:48
